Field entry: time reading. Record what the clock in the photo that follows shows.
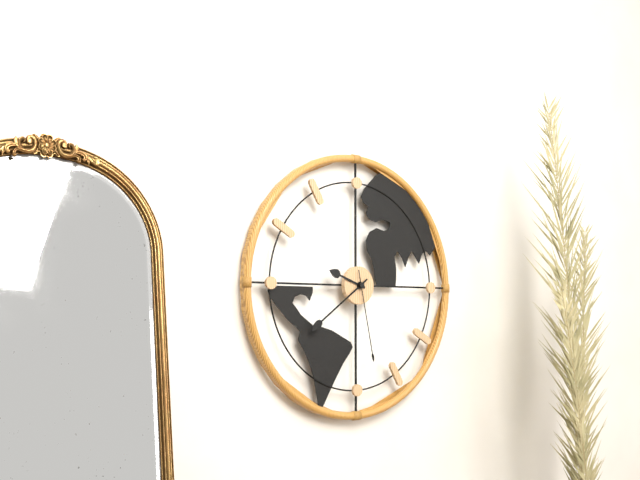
9:39:28
